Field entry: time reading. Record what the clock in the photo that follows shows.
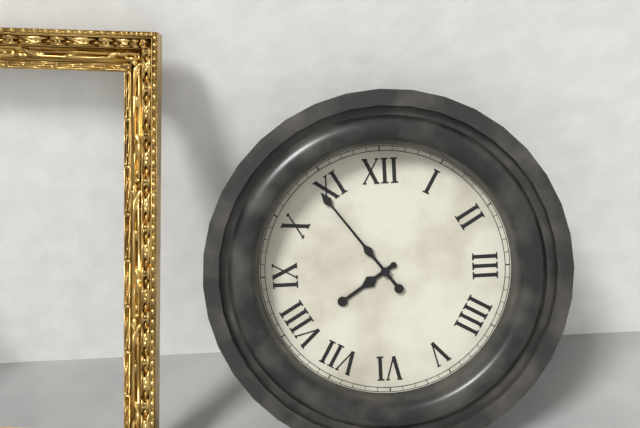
7:54
